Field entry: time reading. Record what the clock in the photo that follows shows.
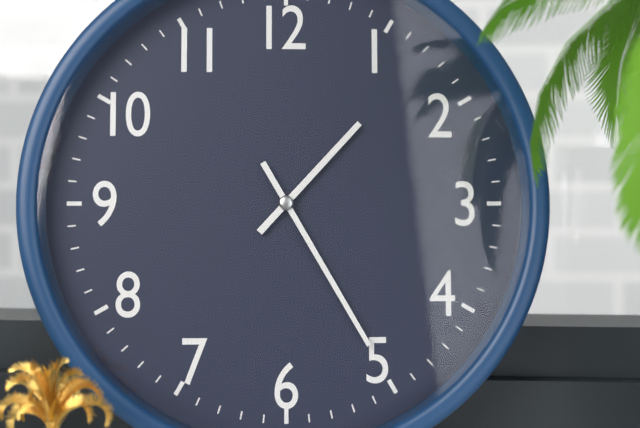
1:25
